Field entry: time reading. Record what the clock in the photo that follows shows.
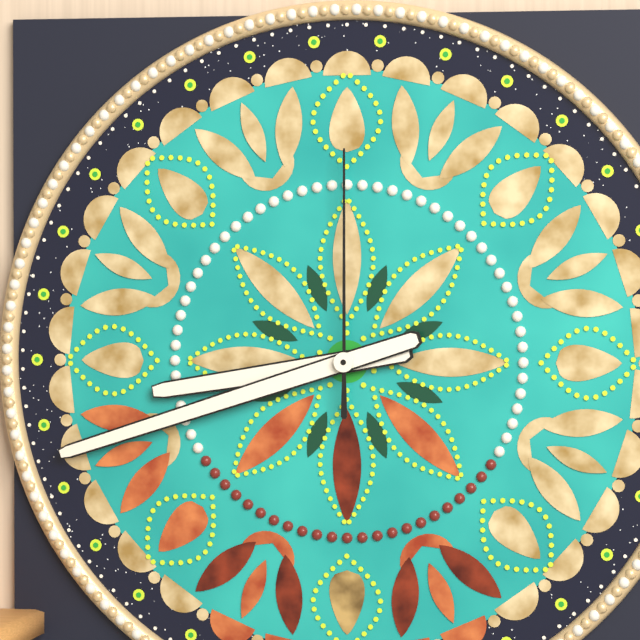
8:42:00
